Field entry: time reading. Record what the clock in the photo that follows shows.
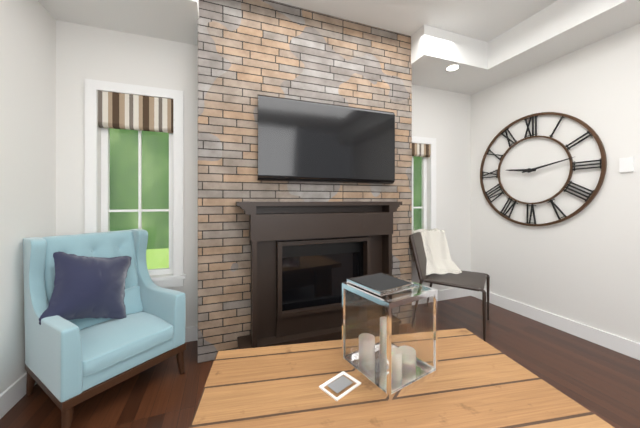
9:13
